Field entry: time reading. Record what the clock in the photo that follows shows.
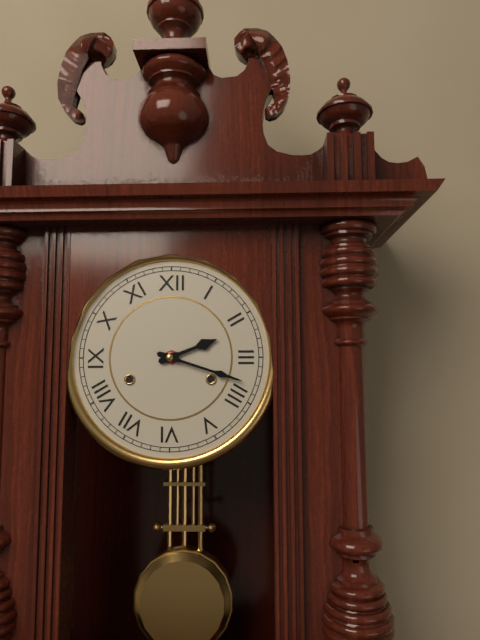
2:18
